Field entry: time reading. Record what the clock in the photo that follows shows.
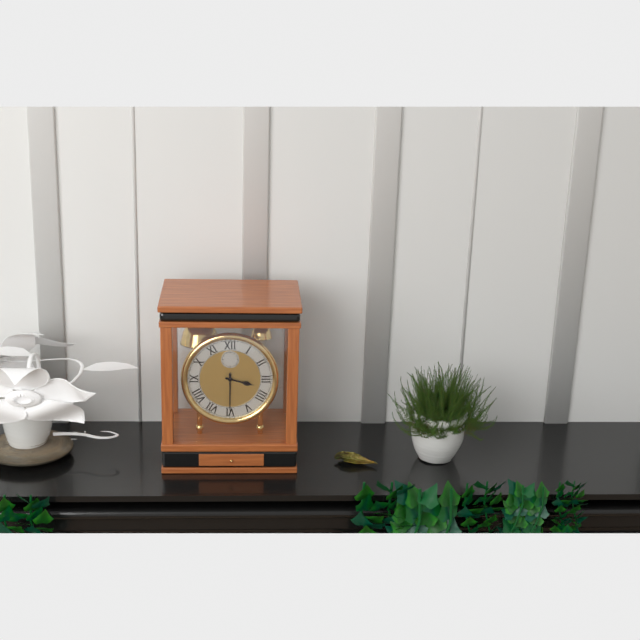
3:30
